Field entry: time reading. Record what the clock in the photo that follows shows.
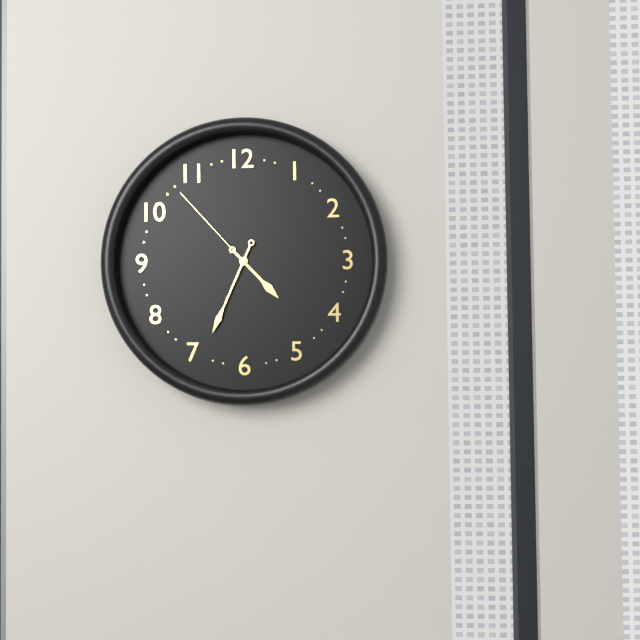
4:34:53
